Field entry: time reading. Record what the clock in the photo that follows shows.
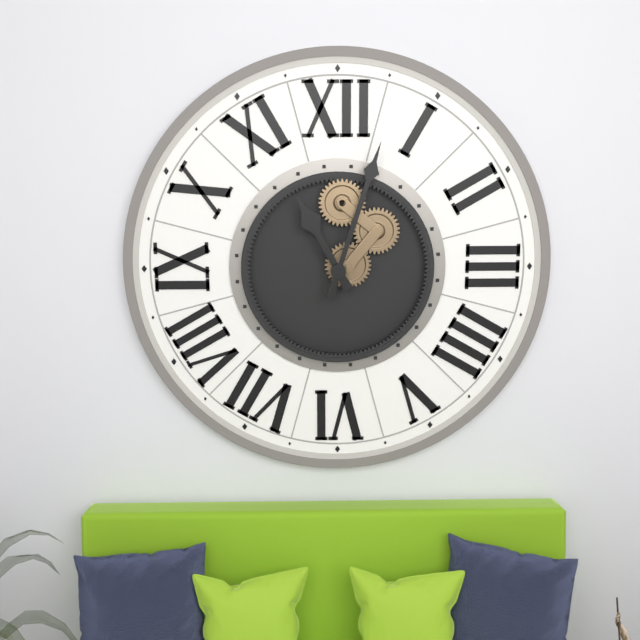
11:03
